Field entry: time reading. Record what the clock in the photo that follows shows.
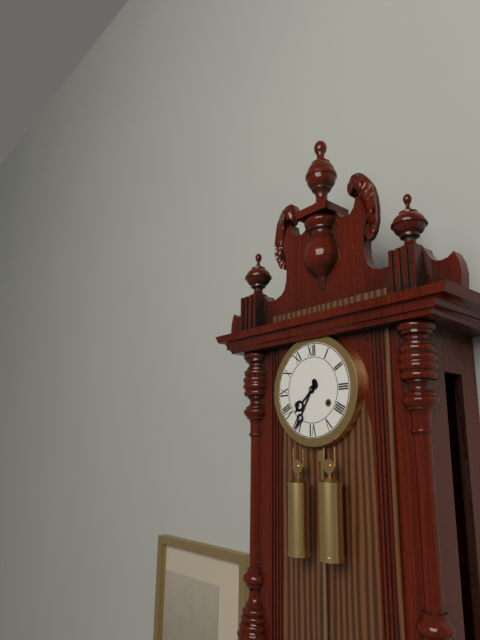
7:35
